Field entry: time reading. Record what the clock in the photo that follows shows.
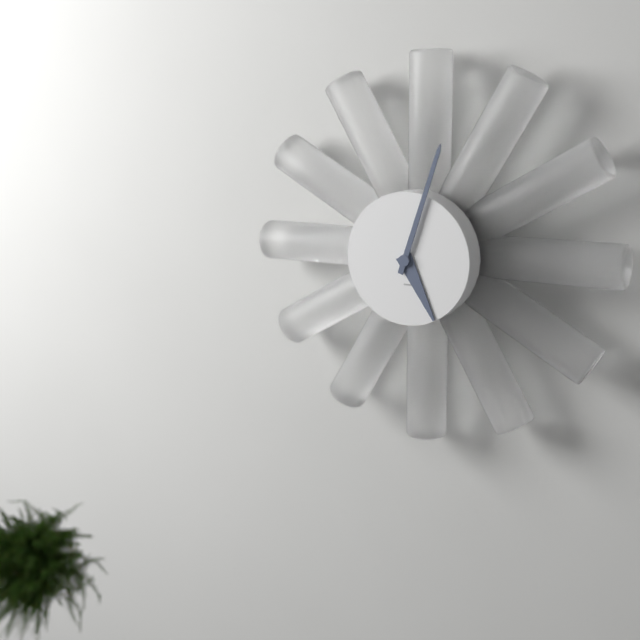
5:03
